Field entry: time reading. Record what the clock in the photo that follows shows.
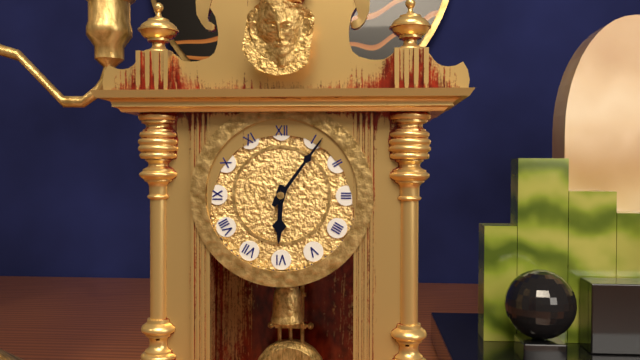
6:06
